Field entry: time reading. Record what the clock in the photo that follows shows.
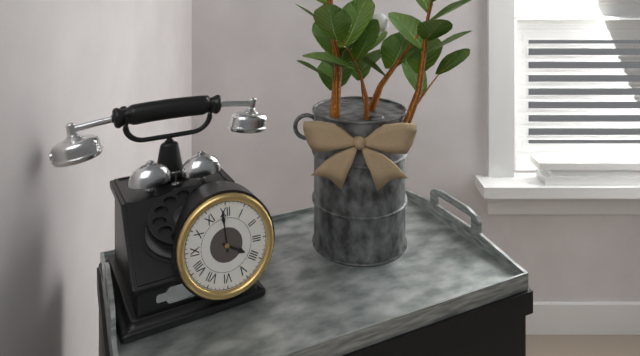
3:59
